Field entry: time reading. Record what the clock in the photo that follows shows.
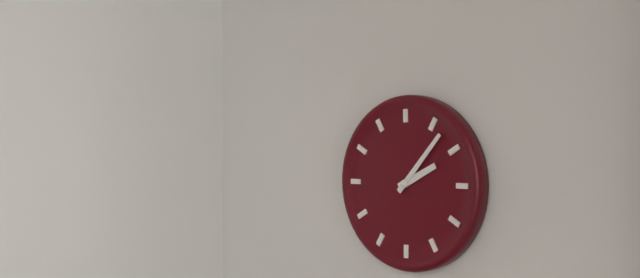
2:07
